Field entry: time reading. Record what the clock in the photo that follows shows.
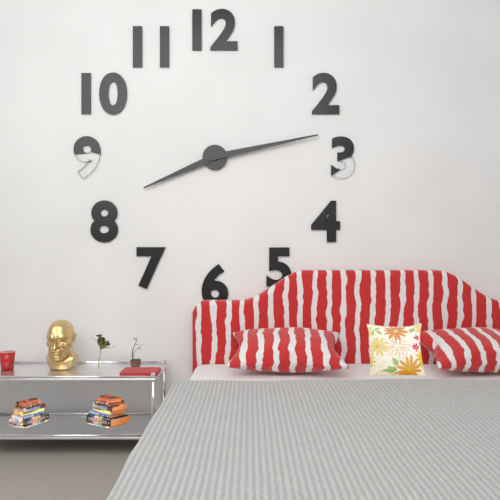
8:13
